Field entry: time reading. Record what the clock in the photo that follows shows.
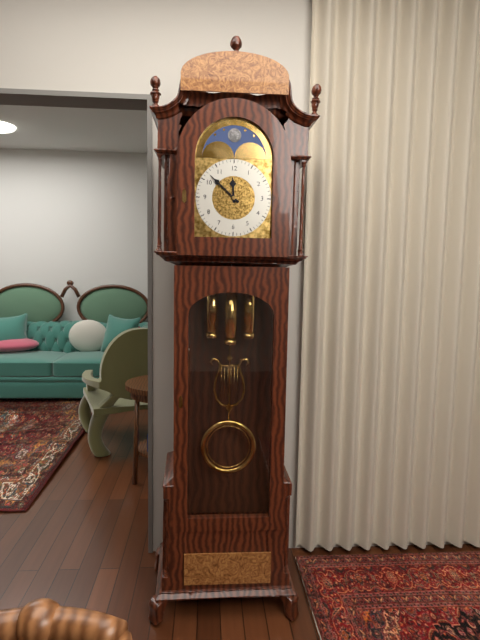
11:52
